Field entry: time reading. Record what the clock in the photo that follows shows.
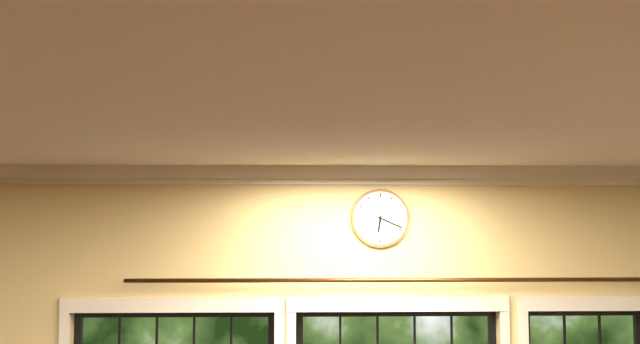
6:19
